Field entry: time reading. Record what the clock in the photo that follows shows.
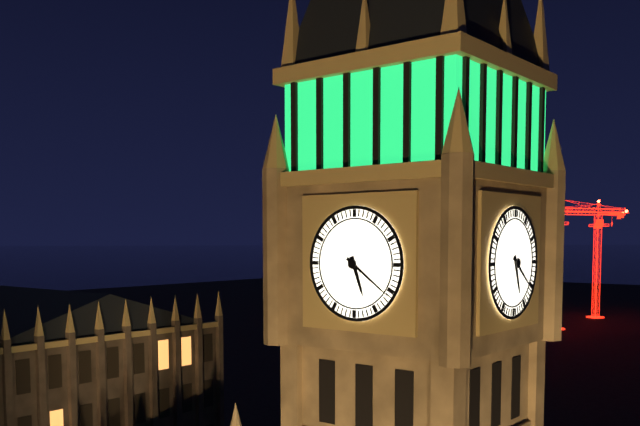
5:21
